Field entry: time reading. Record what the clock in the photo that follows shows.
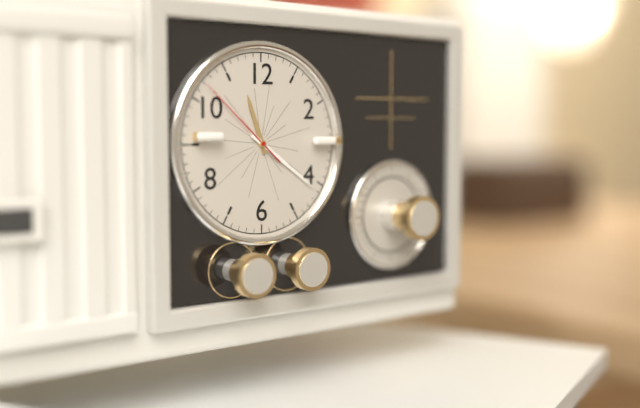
11:21:52
